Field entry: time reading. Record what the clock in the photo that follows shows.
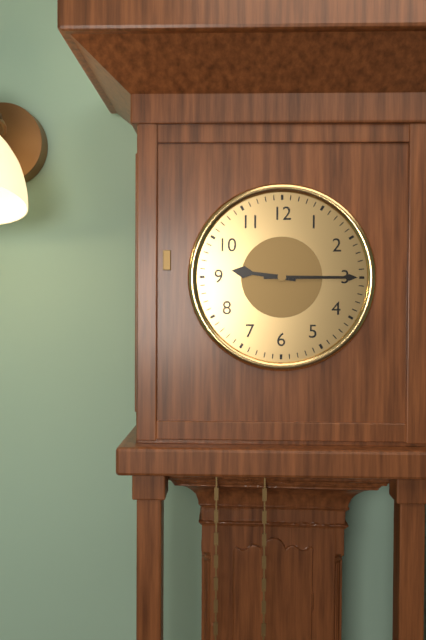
9:15
